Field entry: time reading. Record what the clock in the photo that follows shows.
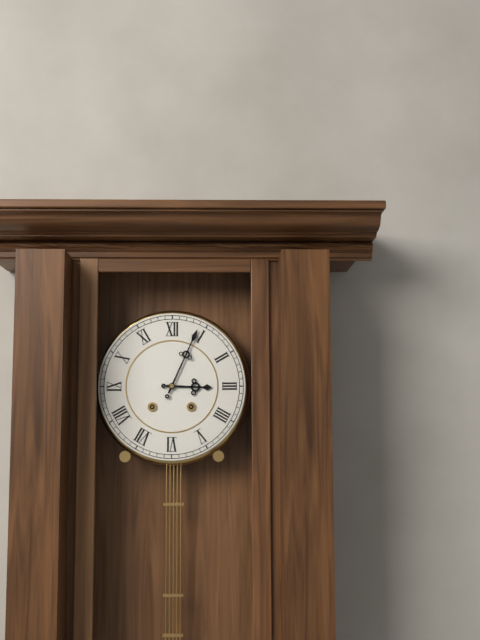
3:04
